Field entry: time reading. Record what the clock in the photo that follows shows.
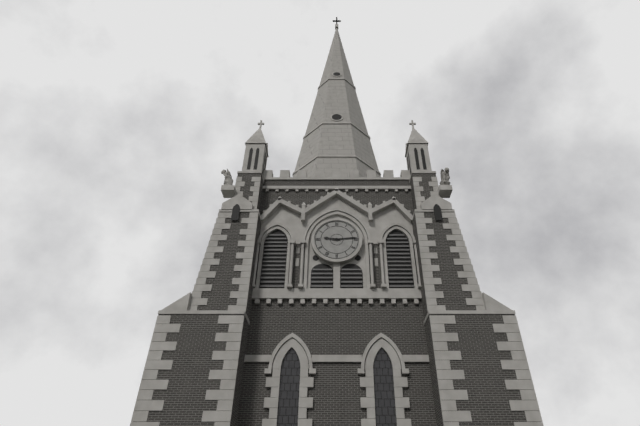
9:14
